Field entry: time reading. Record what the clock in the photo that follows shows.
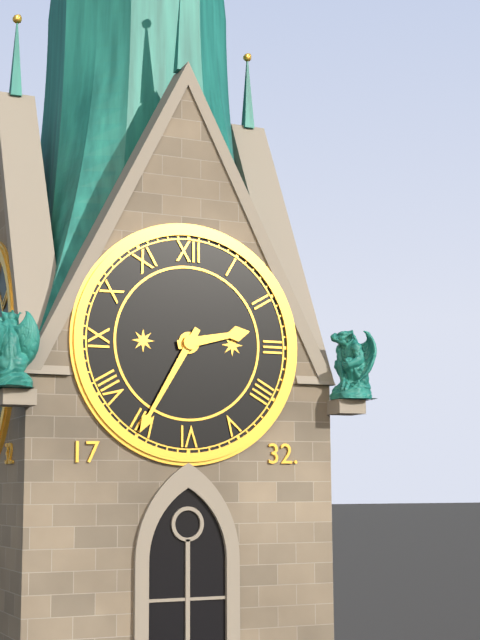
2:35
